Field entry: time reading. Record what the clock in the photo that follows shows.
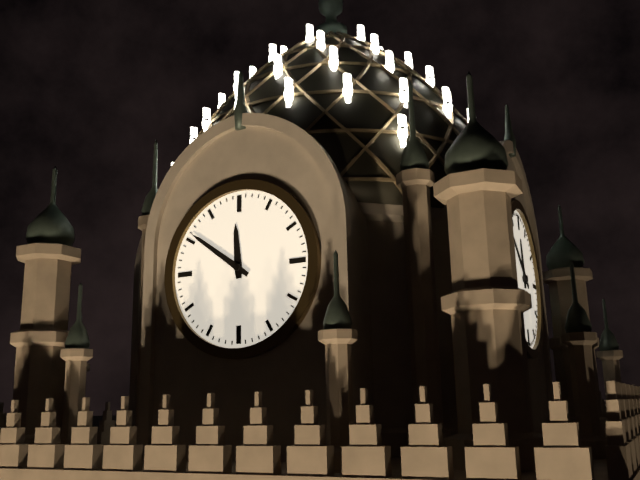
11:51
